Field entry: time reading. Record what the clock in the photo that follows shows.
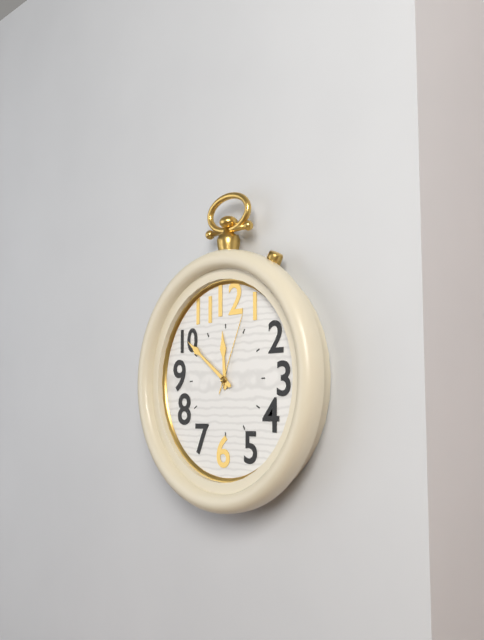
11:51:04
